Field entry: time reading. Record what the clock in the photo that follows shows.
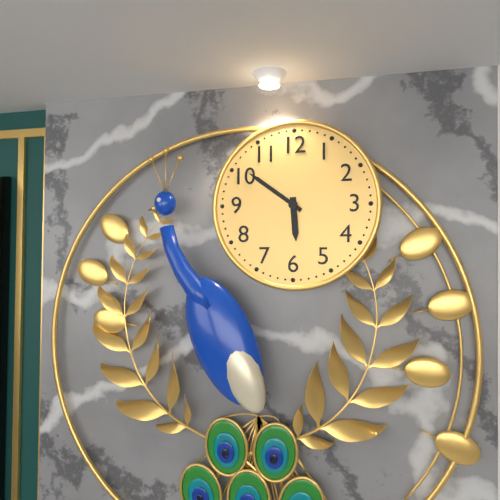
5:51
